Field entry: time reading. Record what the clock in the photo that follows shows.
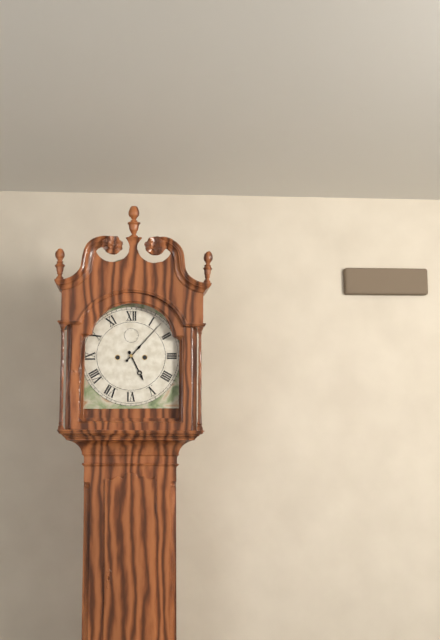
5:07
